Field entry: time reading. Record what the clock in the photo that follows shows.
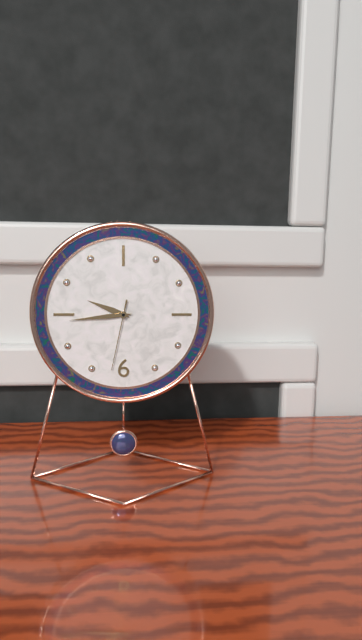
9:44:32
